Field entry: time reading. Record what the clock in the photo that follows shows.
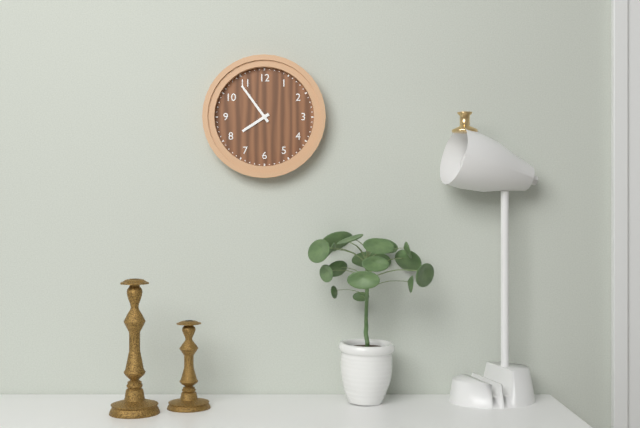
7:54
